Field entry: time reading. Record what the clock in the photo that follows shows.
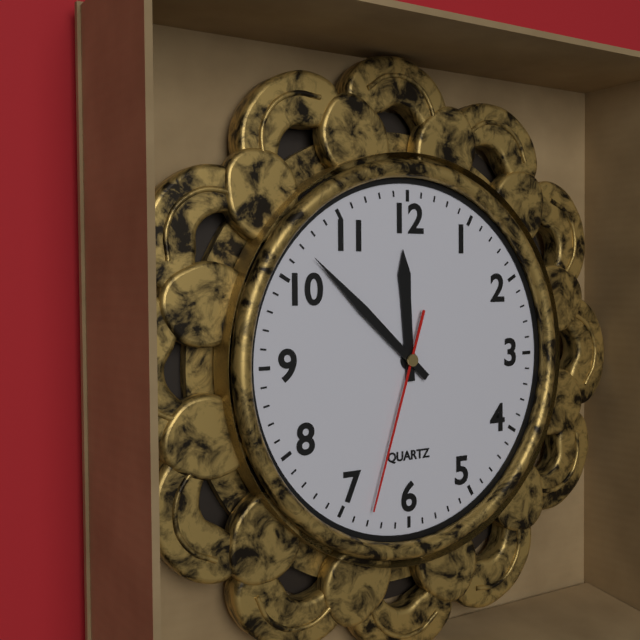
11:52:33
